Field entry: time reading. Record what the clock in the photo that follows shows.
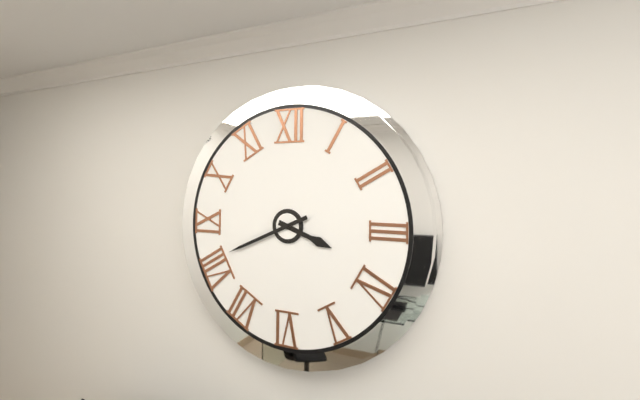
3:41
